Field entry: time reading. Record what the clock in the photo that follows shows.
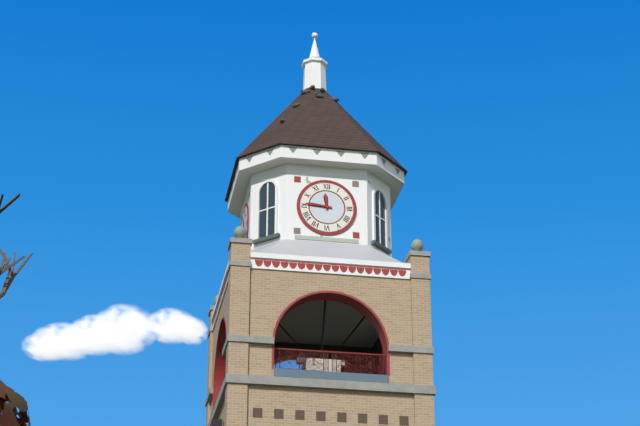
11:46
